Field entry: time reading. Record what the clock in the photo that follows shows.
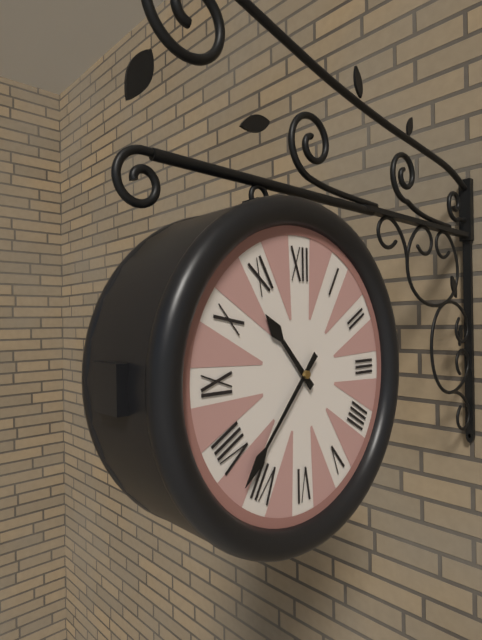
10:37
